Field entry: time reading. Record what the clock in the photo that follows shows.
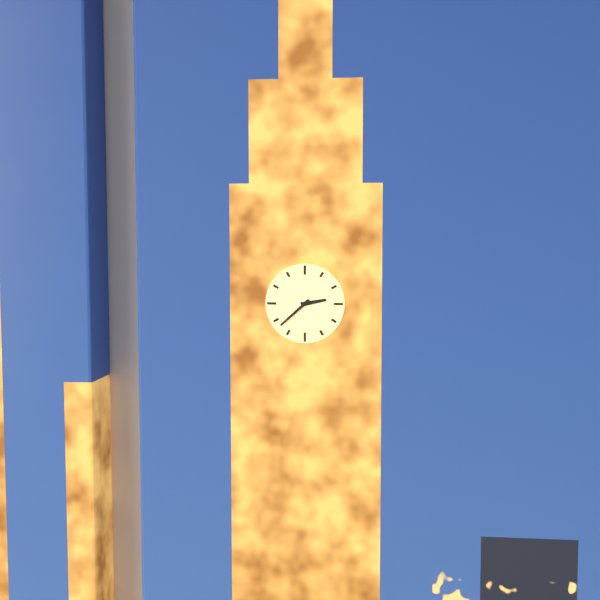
2:38
